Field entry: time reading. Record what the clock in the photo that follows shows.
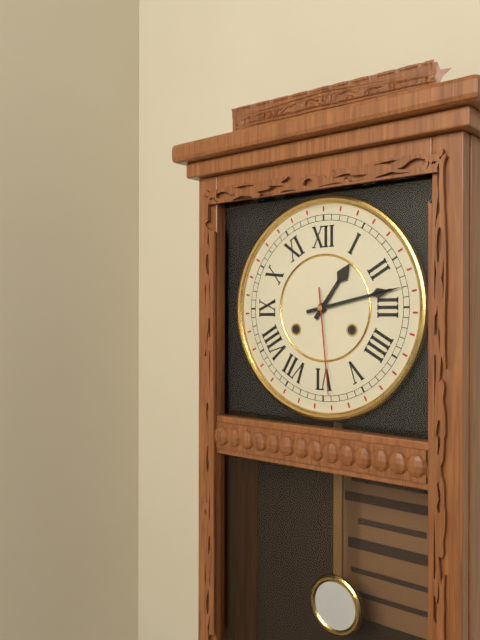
1:13:29
